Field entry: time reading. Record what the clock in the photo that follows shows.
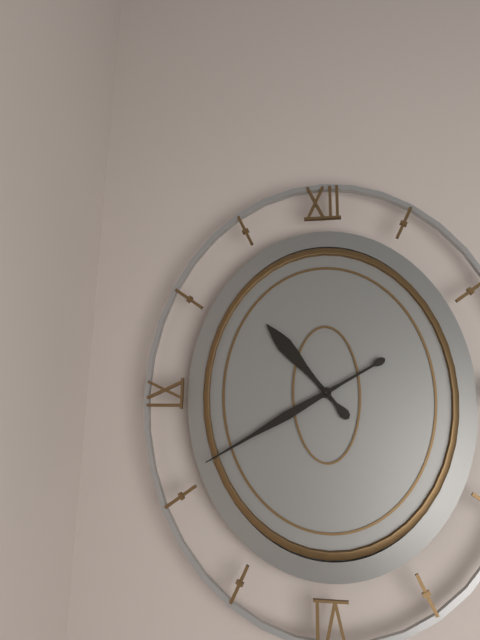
10:40
